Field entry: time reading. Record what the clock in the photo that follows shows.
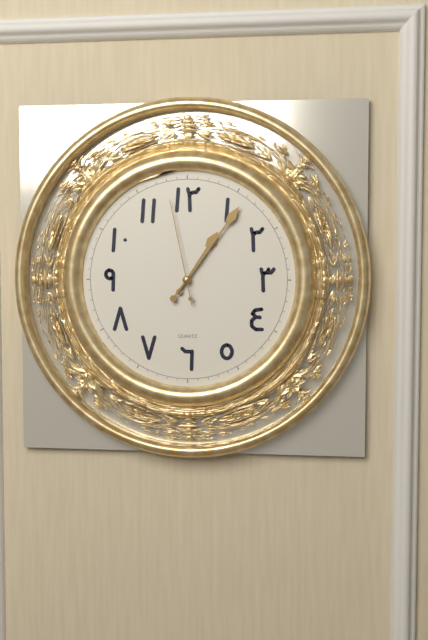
1:06:58
